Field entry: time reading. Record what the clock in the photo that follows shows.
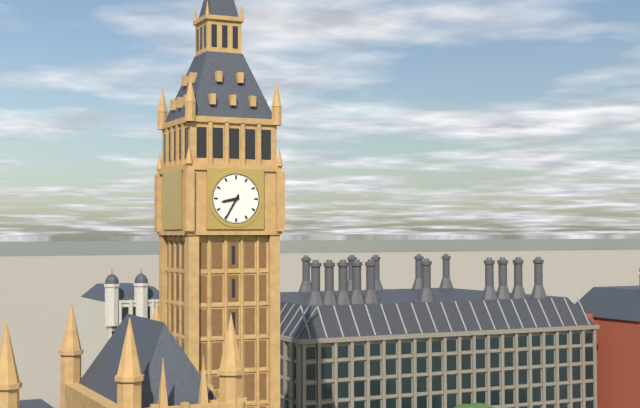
8:35
